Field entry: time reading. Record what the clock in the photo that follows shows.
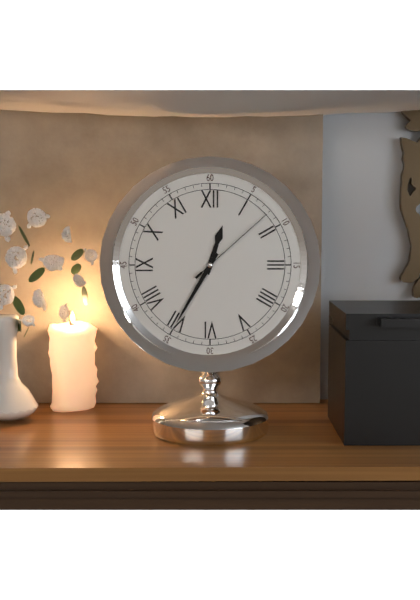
12:35:08
